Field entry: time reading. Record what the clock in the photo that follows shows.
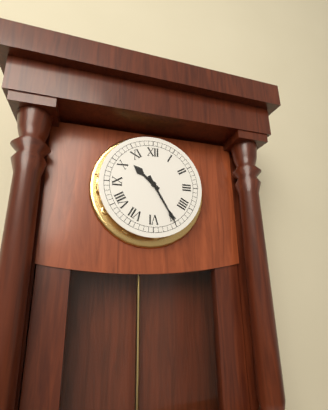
10:25
